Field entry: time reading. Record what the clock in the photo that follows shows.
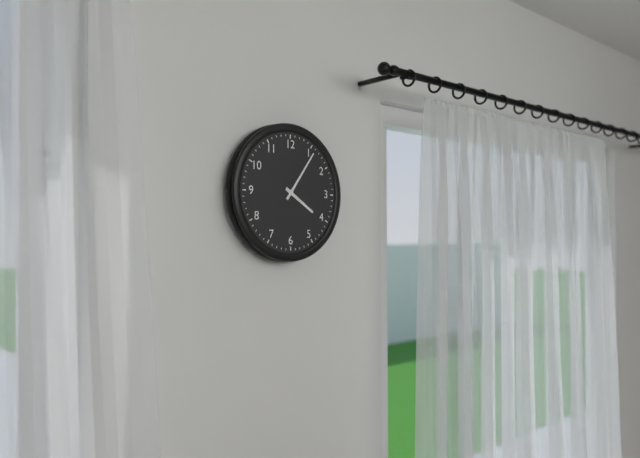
4:06
